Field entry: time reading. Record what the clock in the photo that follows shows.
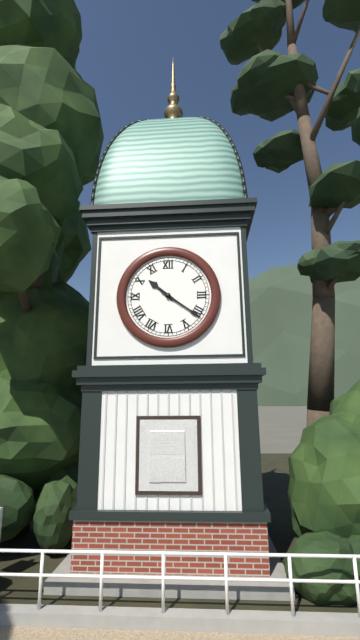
10:21
